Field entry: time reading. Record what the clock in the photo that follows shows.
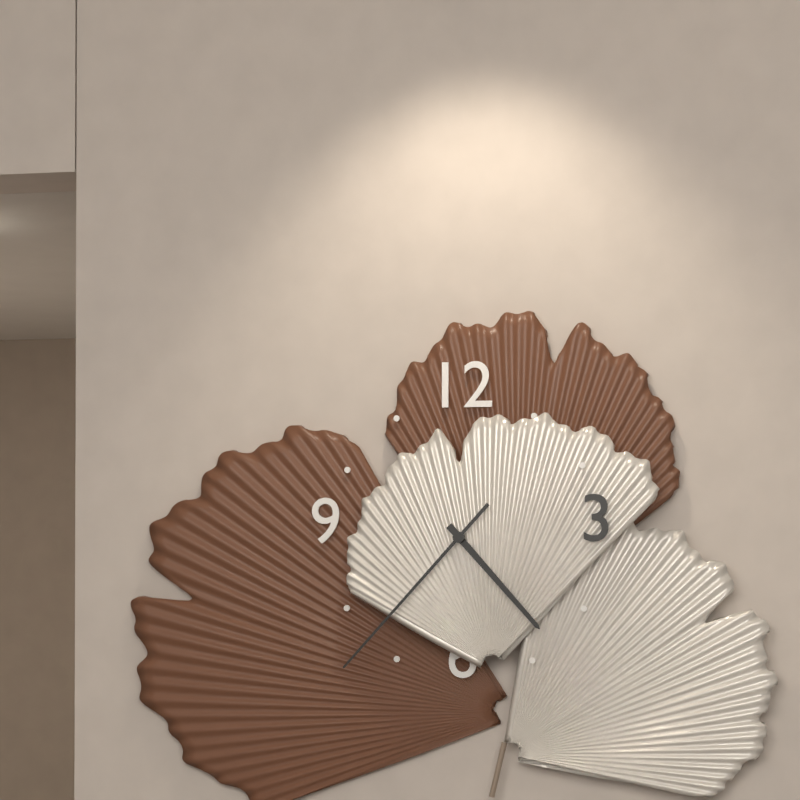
4:37
